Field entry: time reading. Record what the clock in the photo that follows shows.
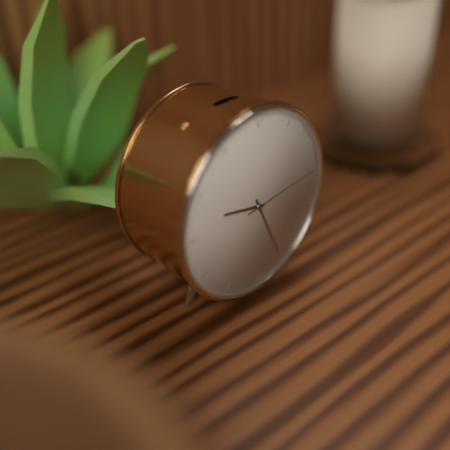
9:26:14
